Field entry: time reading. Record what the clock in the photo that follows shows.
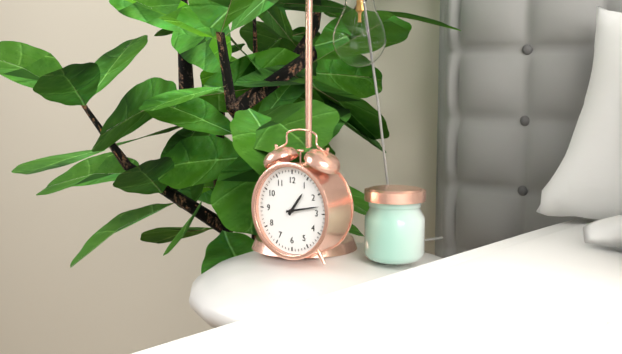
1:13
